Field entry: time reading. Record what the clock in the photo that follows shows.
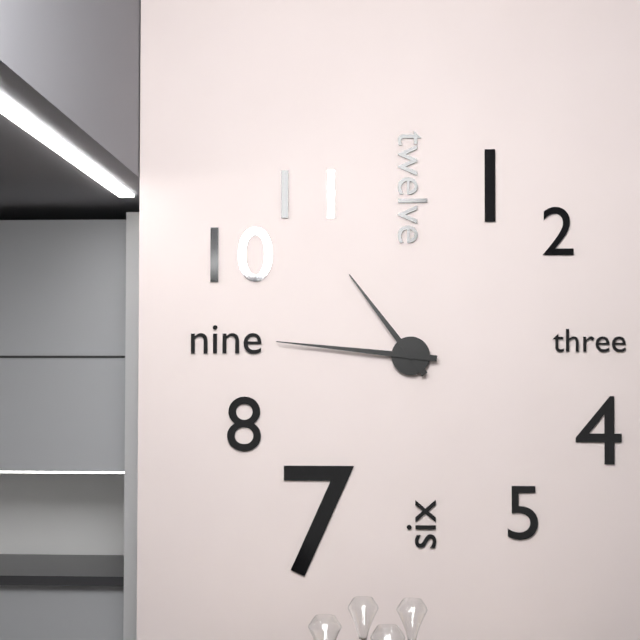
10:46
